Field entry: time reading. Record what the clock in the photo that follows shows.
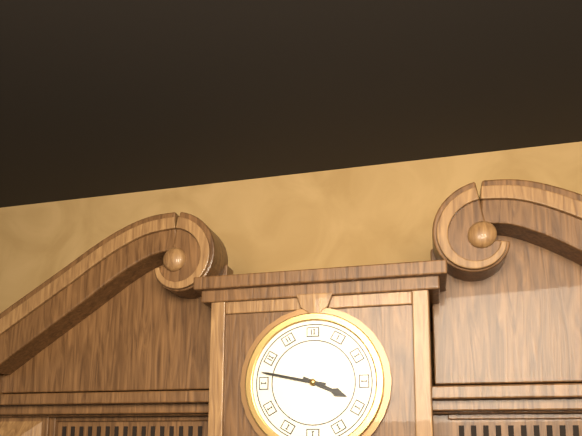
3:47
